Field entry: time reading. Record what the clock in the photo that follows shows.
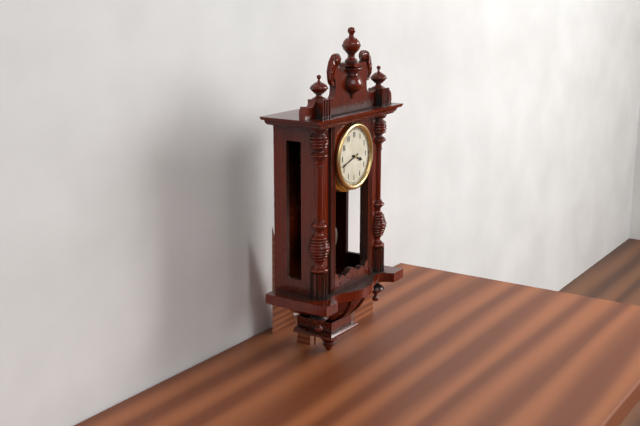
3:42
